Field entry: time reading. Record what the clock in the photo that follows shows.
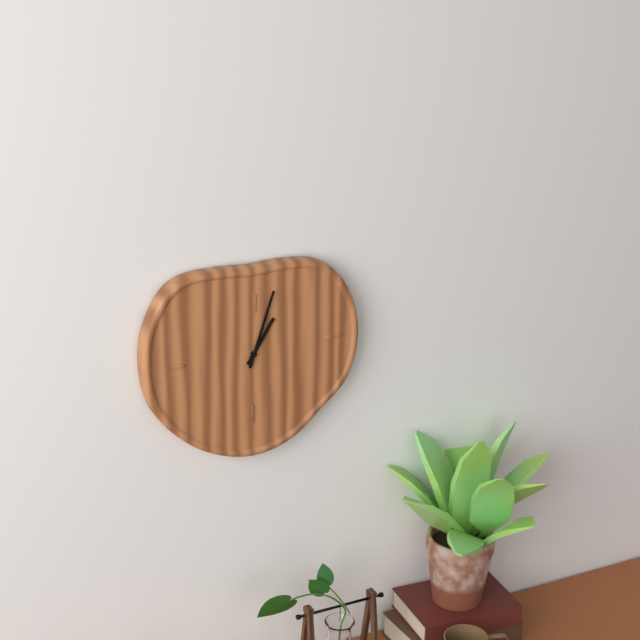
1:03
